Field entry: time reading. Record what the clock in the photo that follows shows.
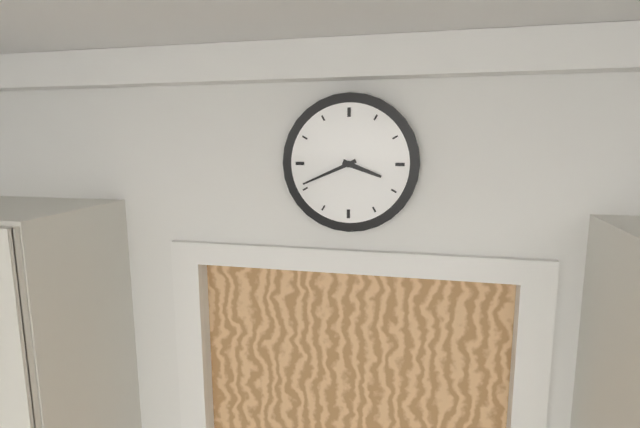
3:41
